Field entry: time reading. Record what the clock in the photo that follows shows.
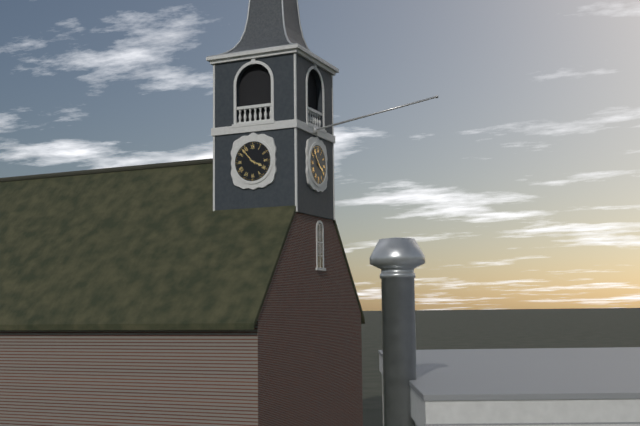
3:53
